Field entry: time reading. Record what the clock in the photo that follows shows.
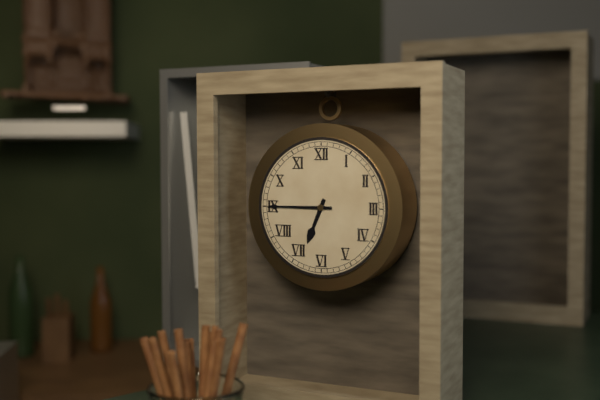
6:45
